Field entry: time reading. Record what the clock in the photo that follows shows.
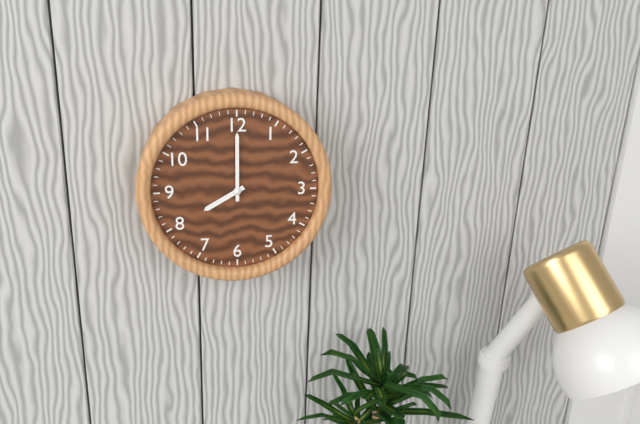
8:00
